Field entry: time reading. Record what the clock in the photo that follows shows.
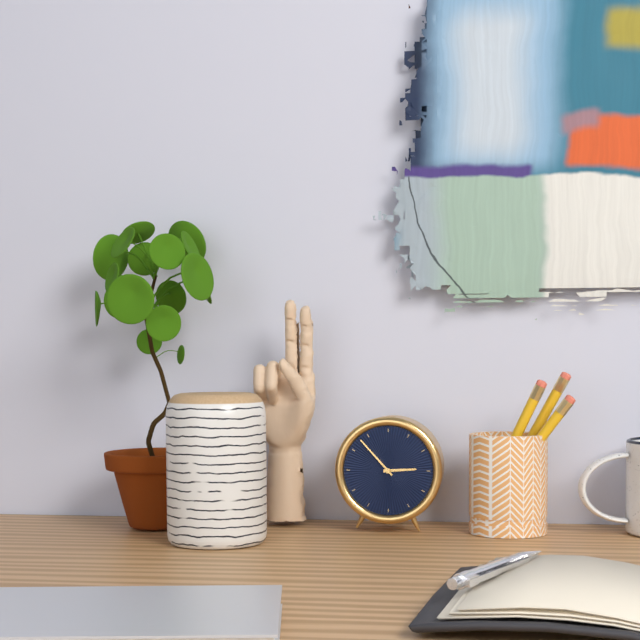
2:53
